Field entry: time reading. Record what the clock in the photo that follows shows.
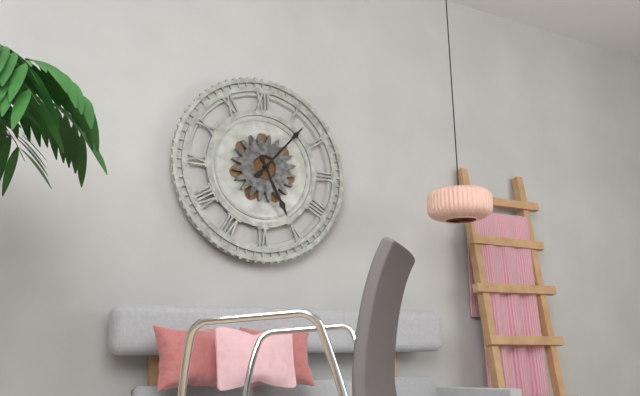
5:07
